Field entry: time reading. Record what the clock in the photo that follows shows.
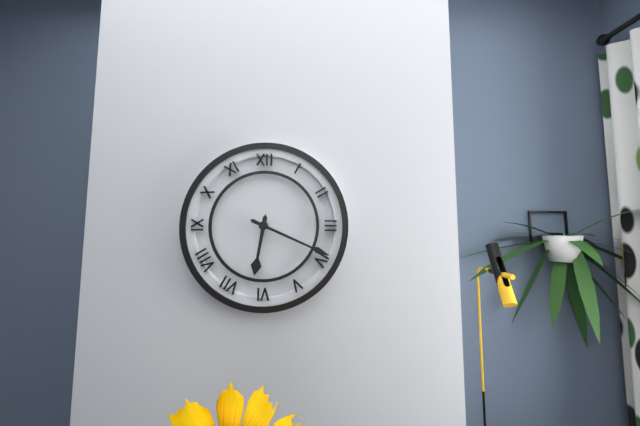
6:19
